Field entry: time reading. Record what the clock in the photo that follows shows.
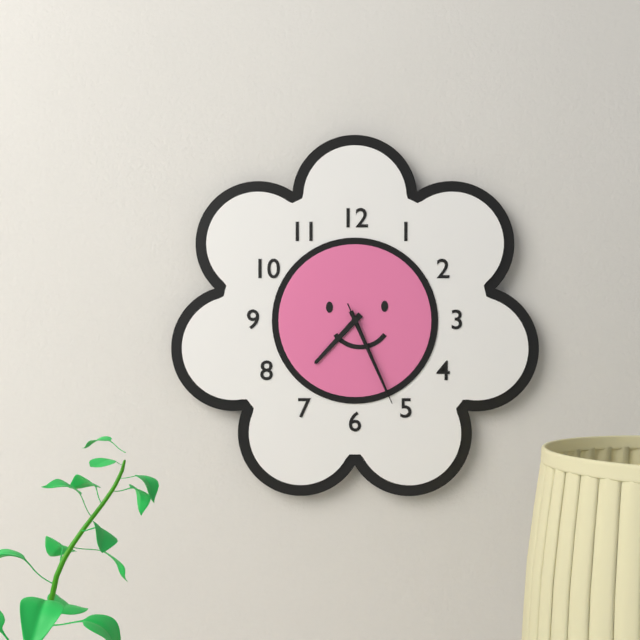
7:26:26
